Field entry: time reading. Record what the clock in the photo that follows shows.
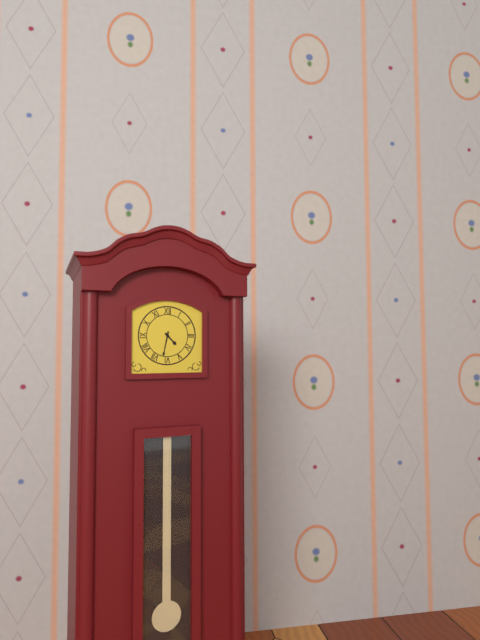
4:32
